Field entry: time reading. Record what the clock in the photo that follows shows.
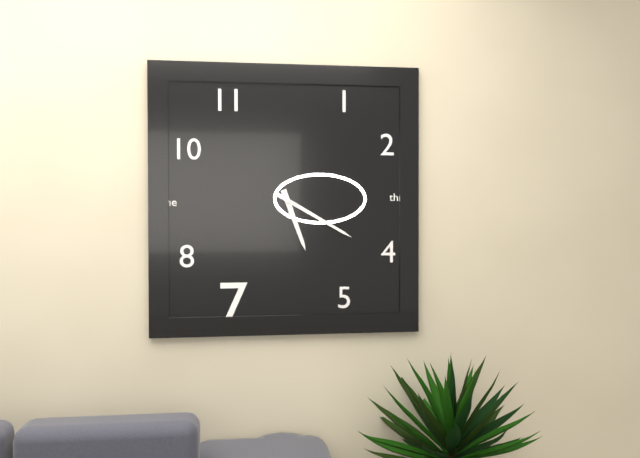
5:20
